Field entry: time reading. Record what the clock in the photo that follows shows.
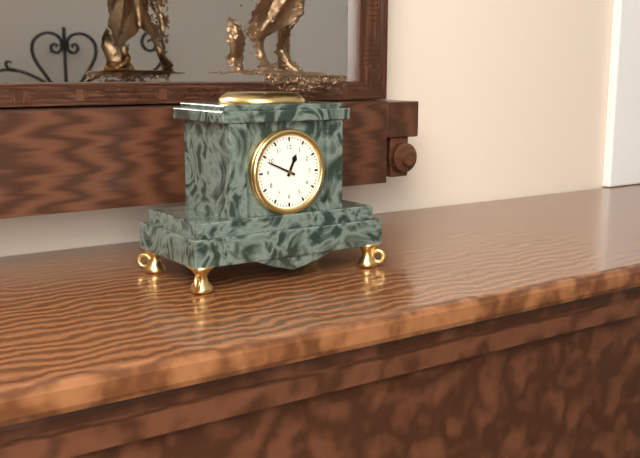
12:49
